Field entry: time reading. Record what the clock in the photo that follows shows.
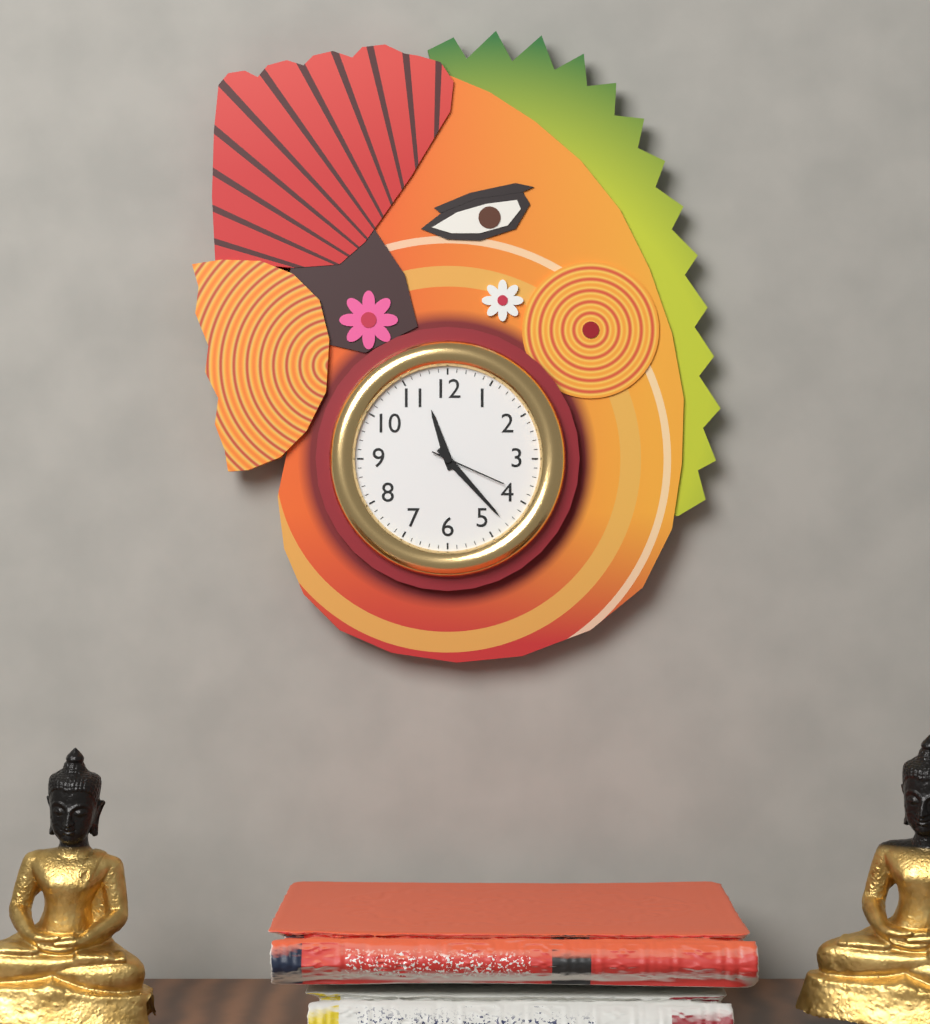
11:23:19
